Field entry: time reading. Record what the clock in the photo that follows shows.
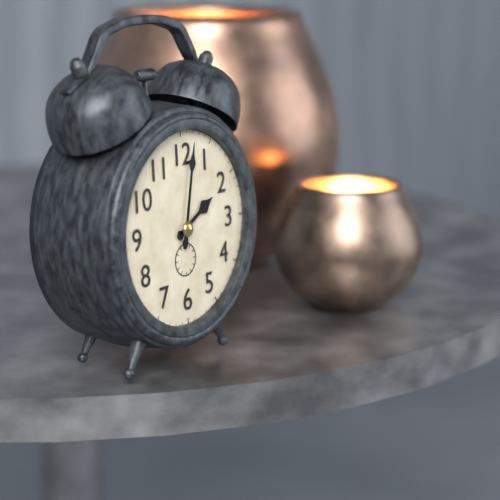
2:02
